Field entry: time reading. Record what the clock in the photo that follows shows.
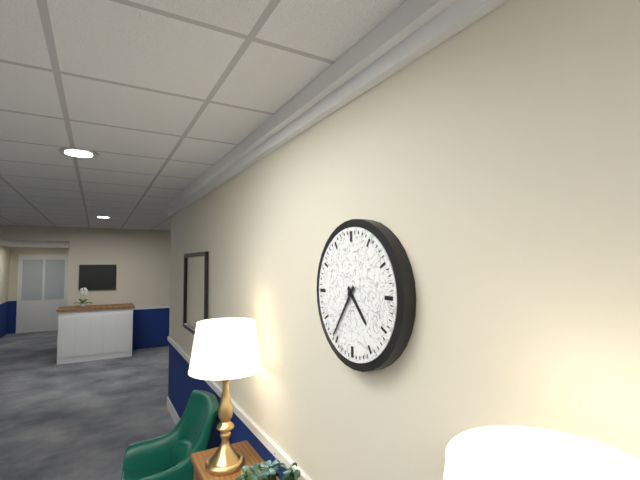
4:36
